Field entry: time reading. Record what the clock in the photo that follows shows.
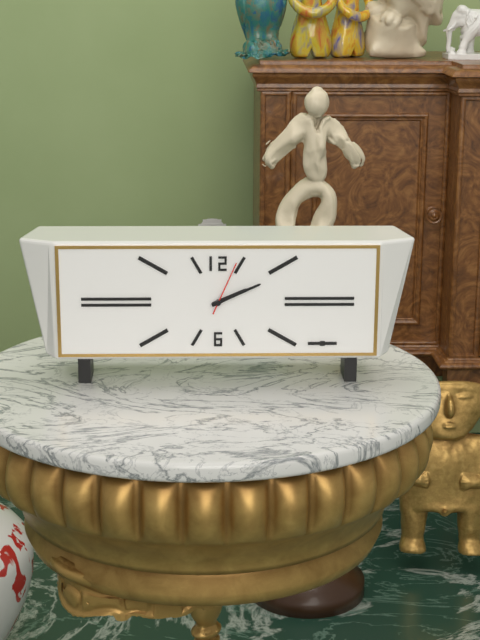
2:11:04
